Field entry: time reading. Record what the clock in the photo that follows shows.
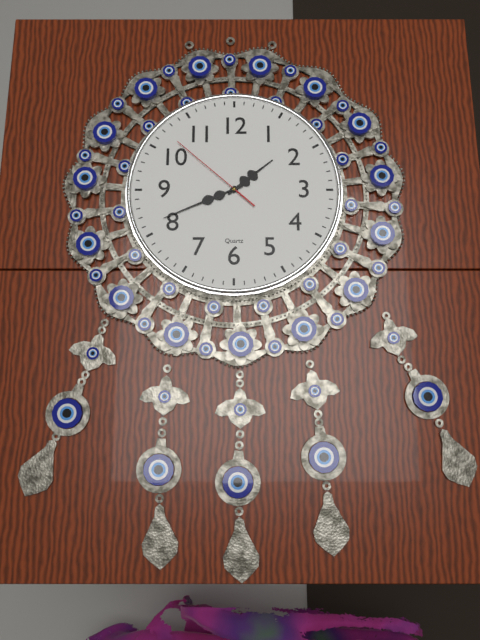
1:41:52
